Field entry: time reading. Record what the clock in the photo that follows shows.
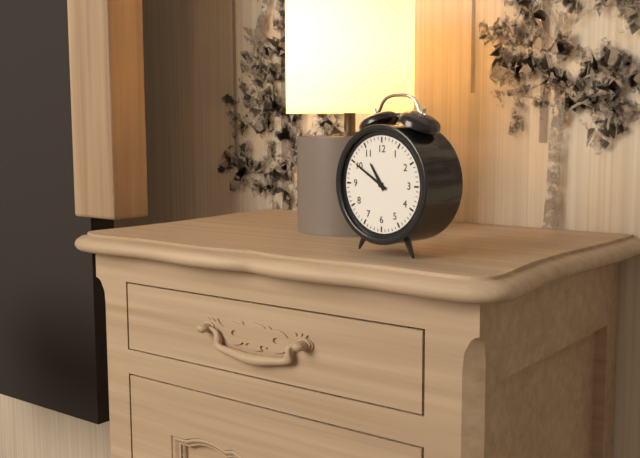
10:50
